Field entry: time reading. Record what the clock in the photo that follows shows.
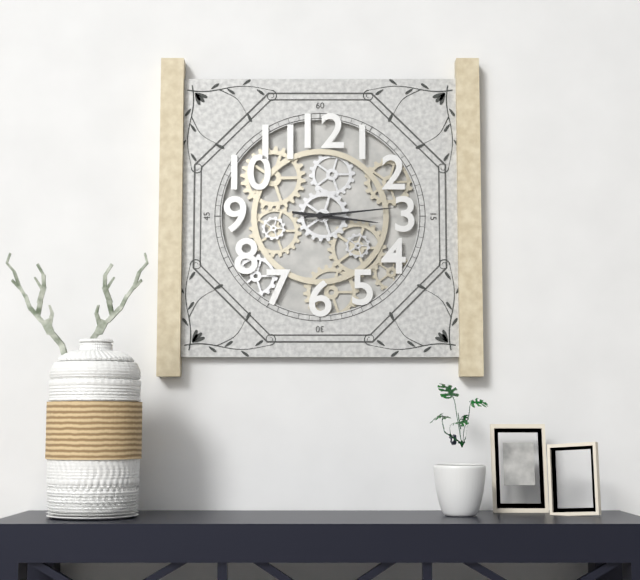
3:14
